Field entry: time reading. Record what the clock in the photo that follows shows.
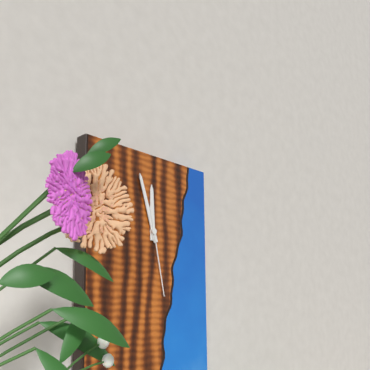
11:57:28
